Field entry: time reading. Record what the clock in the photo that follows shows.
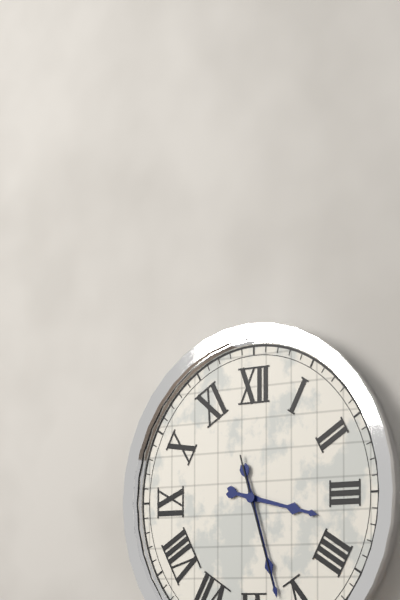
3:27:27
